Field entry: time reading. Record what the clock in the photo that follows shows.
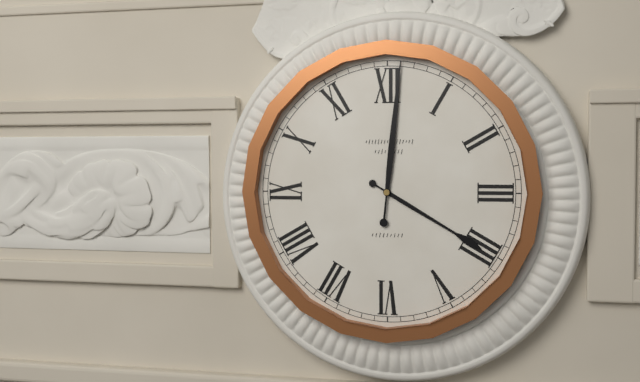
4:01
